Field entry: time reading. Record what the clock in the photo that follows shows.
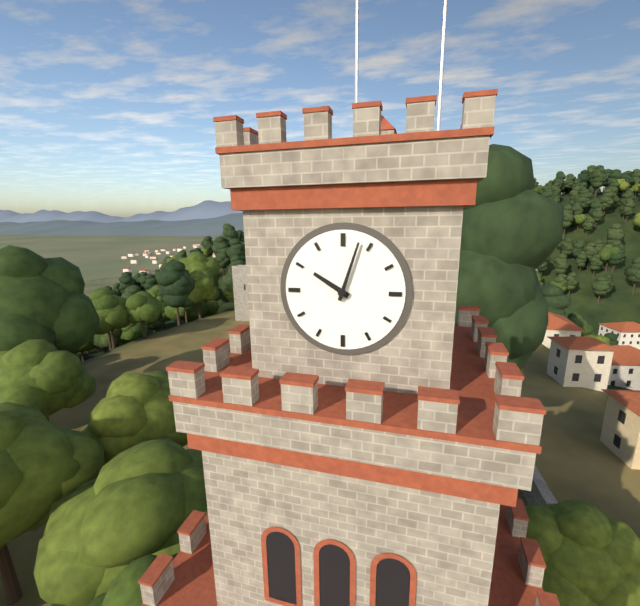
10:03
